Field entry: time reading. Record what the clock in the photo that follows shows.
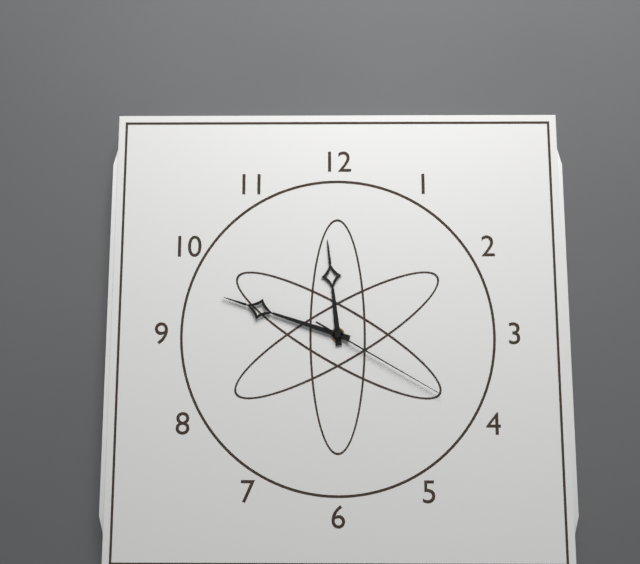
11:48:20
